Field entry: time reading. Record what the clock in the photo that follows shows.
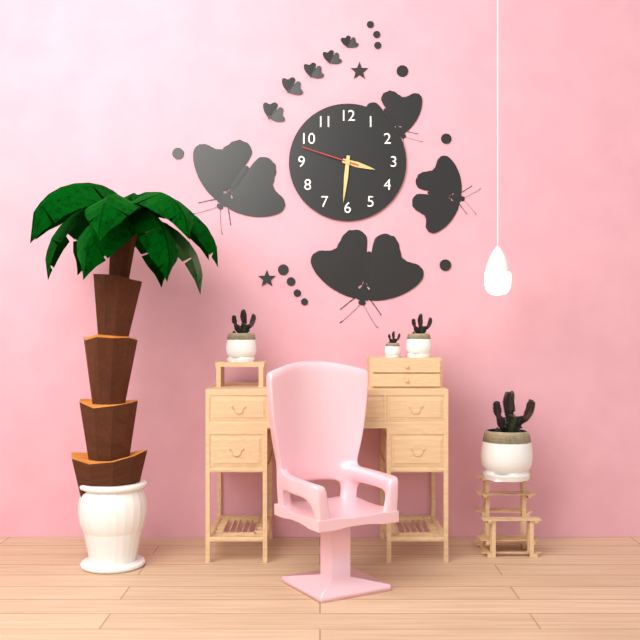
3:31:48
